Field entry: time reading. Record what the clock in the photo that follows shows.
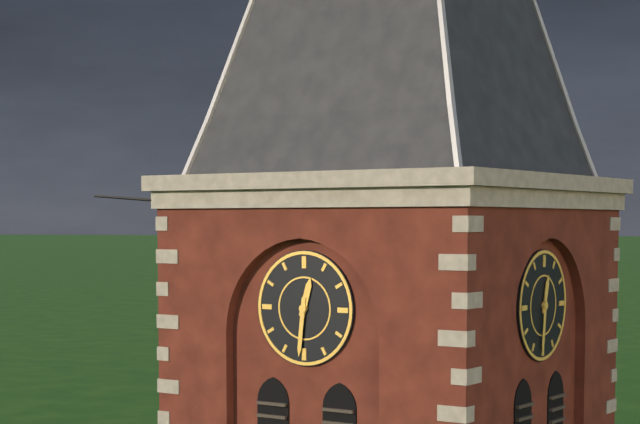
12:31
